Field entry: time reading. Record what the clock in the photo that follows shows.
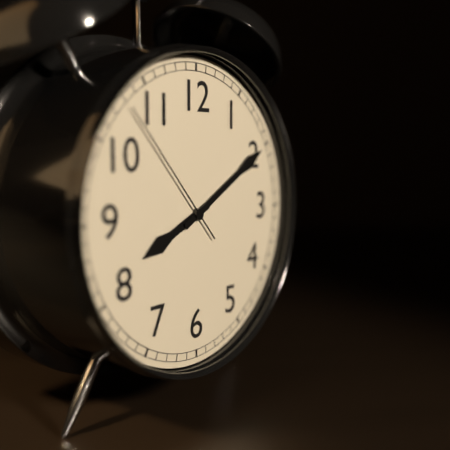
8:10:53
